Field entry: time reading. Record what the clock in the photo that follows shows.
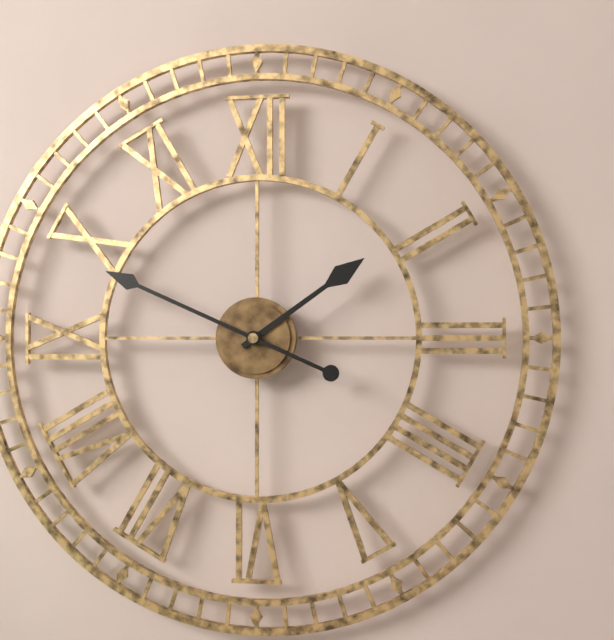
1:49
